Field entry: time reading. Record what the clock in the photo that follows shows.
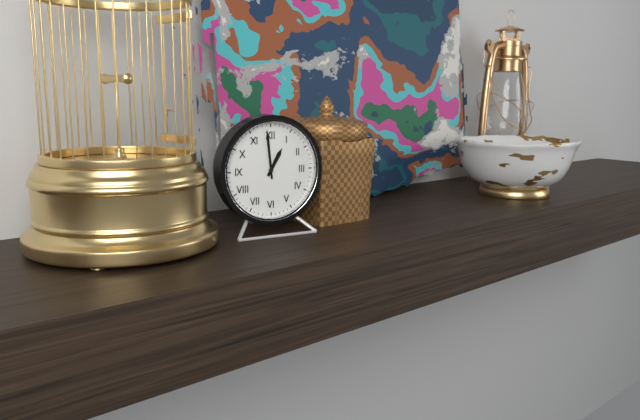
12:59
